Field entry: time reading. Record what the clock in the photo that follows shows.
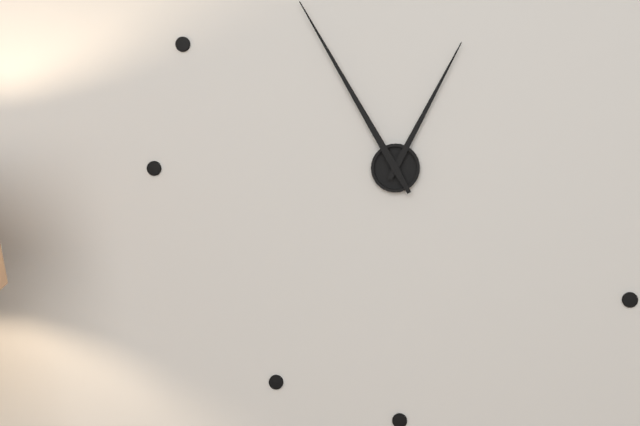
12:55
